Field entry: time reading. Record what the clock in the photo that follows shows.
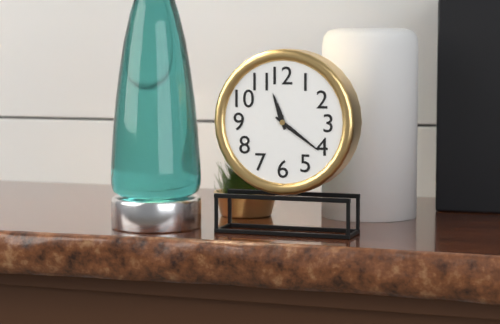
11:21
